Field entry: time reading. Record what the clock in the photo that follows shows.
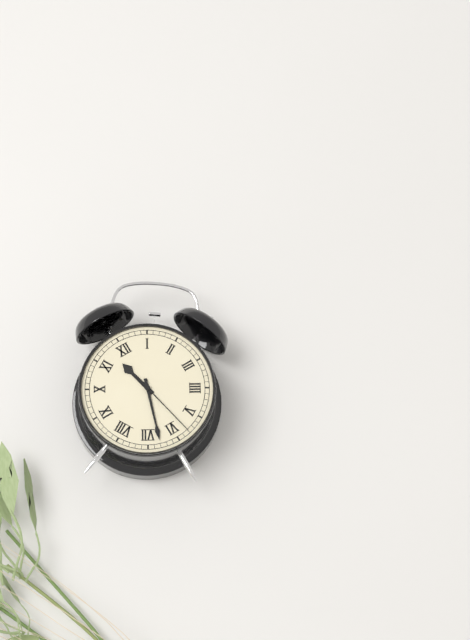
11:33:28
